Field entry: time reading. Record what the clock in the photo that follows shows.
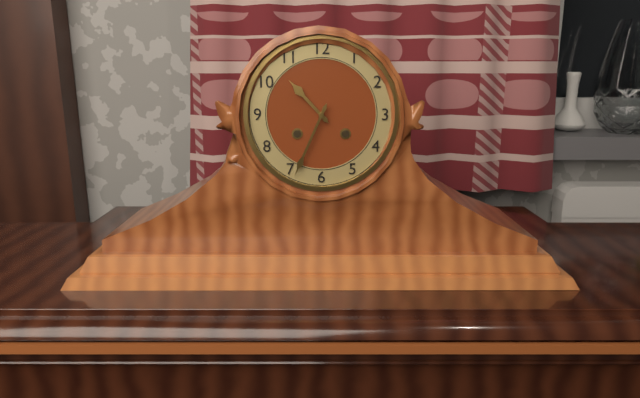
10:34
